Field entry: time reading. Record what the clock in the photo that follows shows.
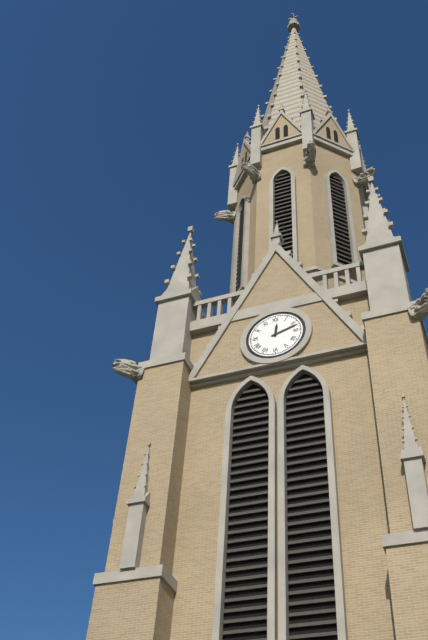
12:12
